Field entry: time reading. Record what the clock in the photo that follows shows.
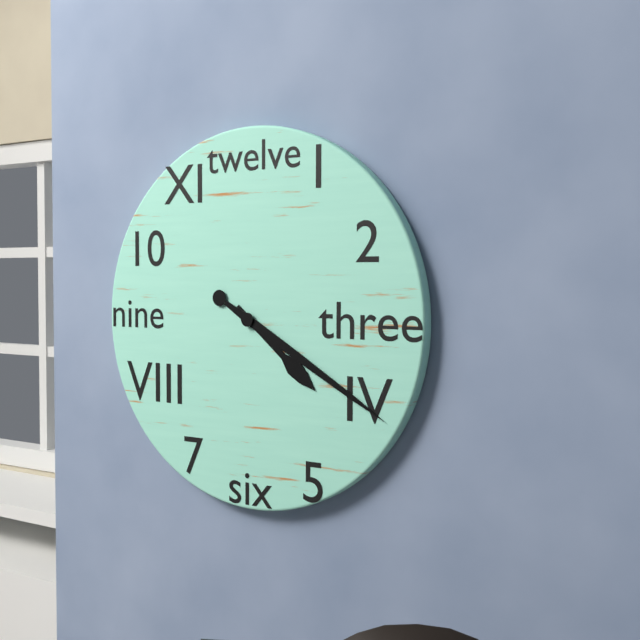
4:20
